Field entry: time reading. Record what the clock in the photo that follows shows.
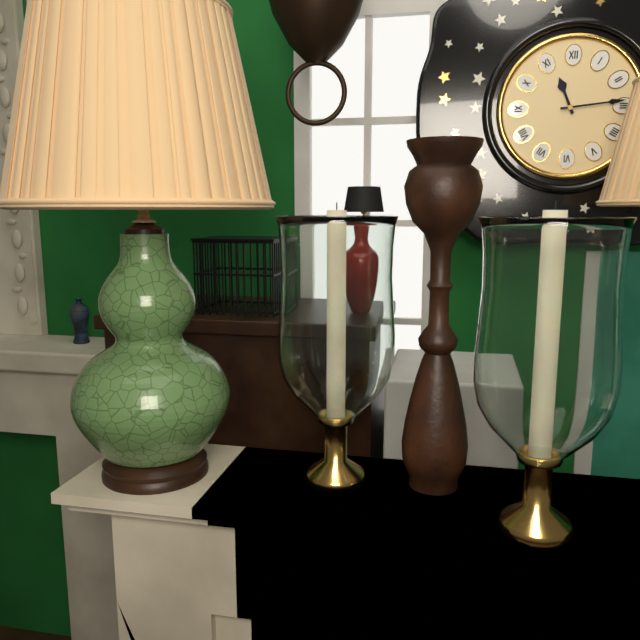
11:14
